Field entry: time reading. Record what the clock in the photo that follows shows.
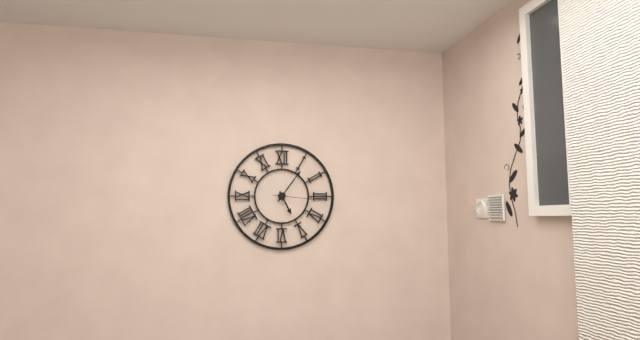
5:06
